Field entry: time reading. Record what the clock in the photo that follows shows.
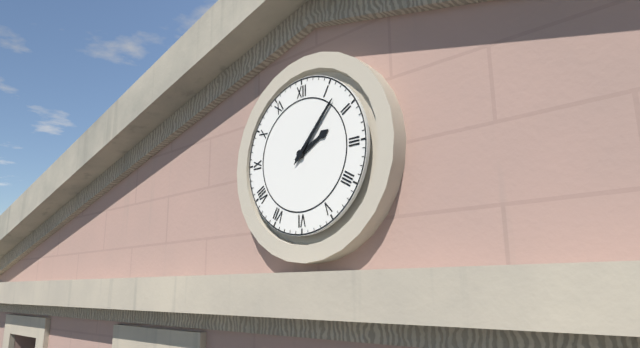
2:07
